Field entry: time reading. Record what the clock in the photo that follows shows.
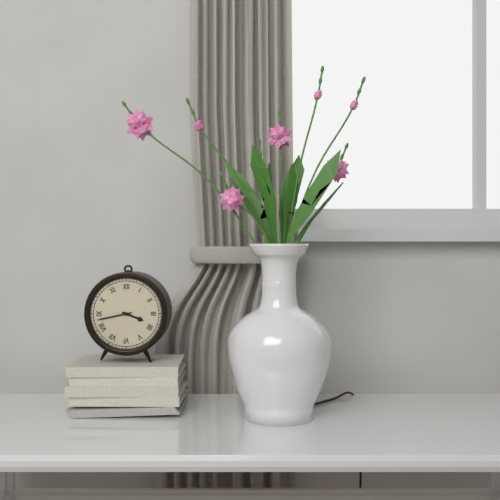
3:43
